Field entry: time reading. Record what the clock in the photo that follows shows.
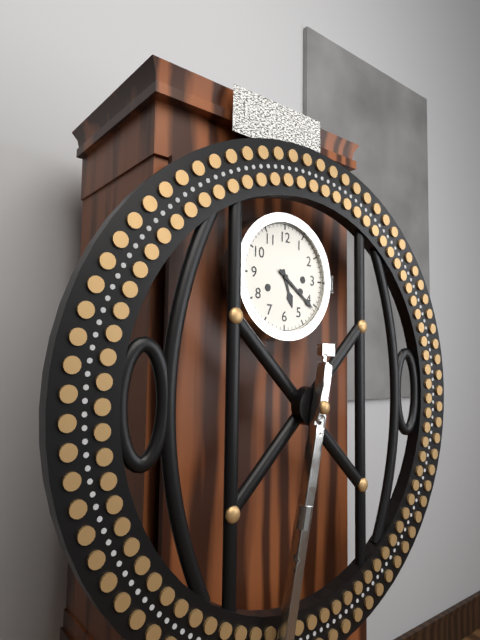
5:21
